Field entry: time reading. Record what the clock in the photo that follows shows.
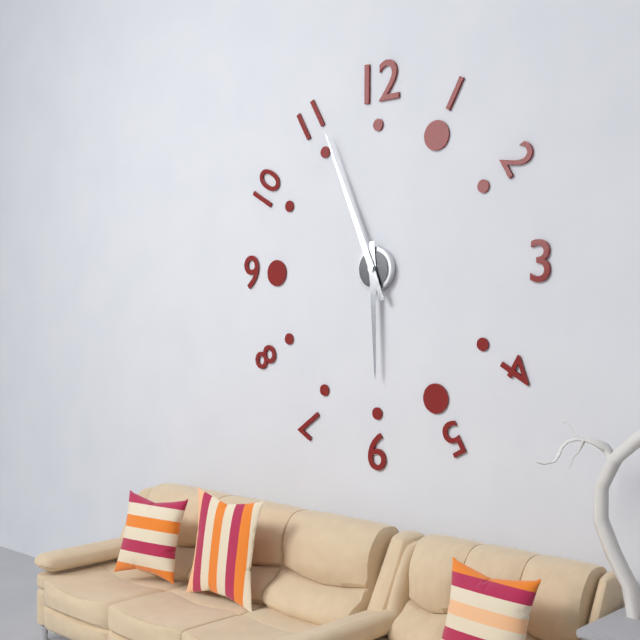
5:56
